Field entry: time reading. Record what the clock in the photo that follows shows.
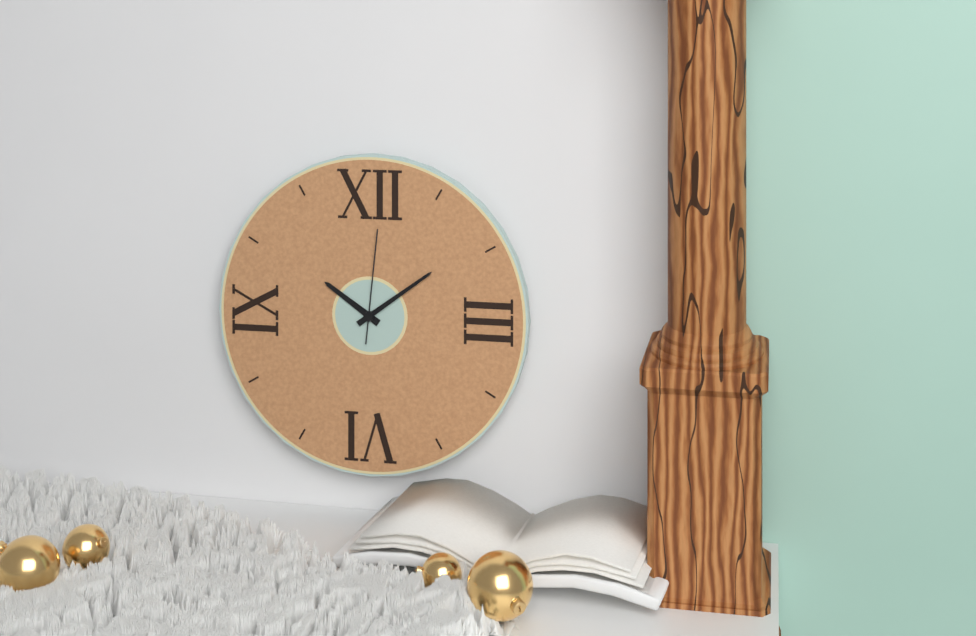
10:09:01
